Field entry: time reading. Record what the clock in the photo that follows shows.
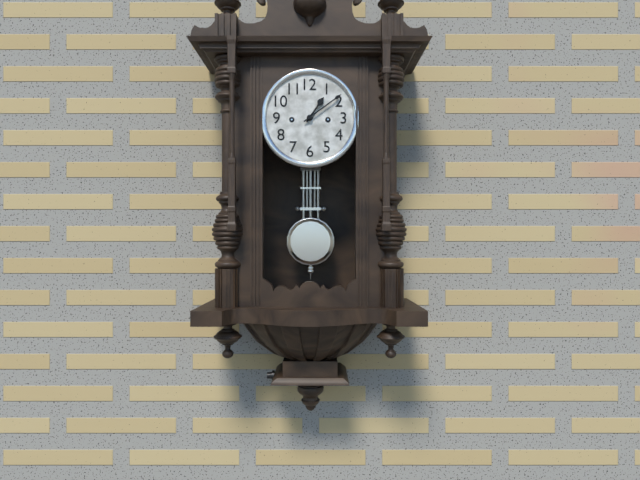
1:09
